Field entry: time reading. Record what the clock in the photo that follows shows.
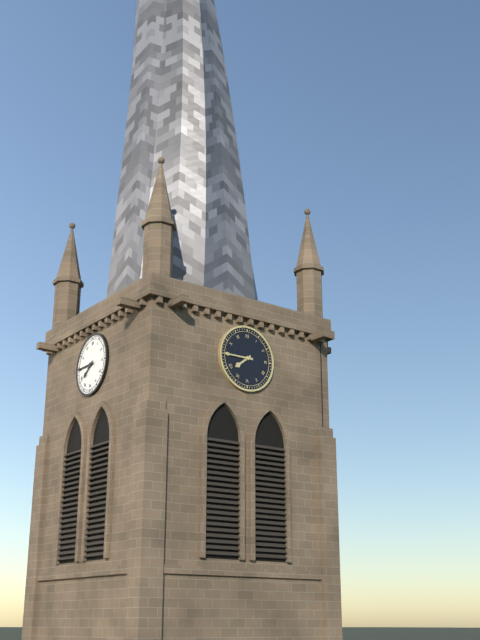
7:45
